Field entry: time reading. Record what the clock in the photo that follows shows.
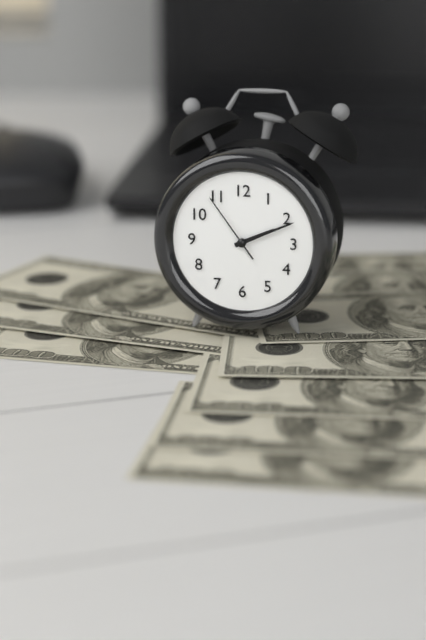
2:11:54
